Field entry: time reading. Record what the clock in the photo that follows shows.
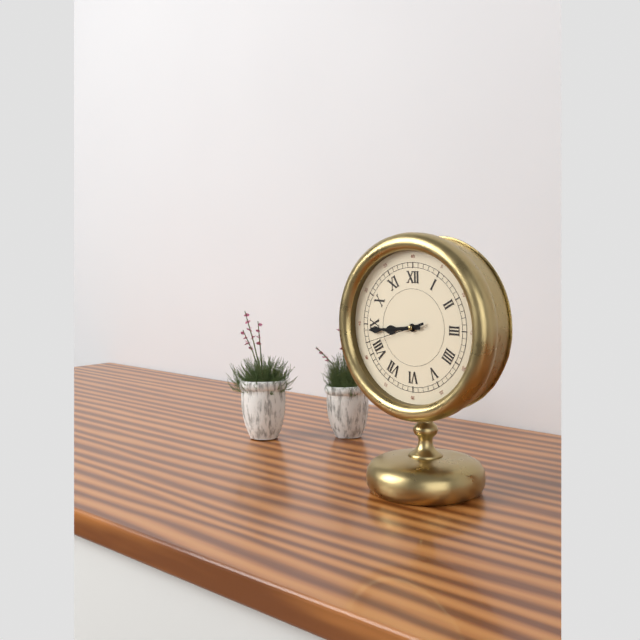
8:44:42
